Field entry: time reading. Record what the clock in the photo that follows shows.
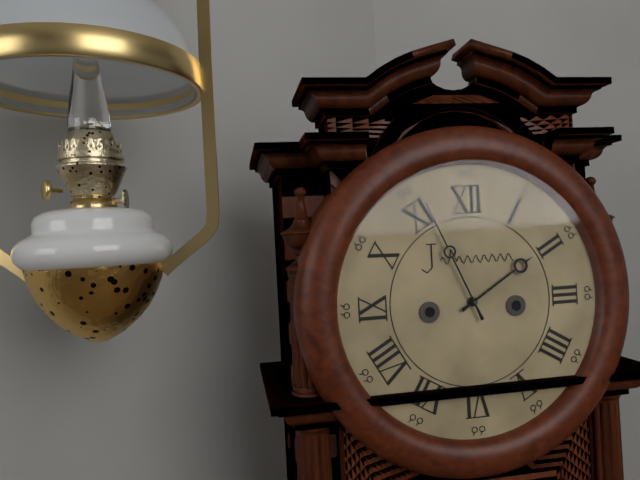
1:56
